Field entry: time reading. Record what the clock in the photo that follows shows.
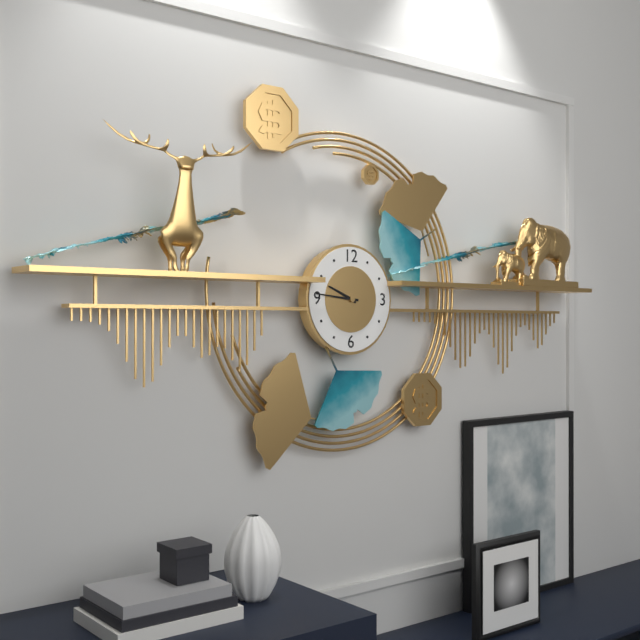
9:46
